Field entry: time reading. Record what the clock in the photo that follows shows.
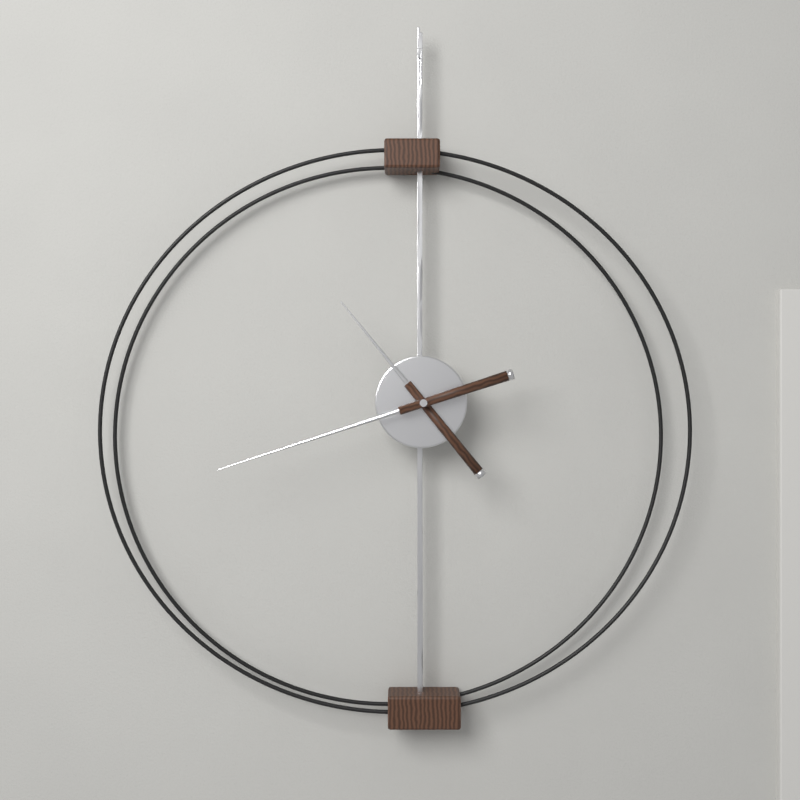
10:42
